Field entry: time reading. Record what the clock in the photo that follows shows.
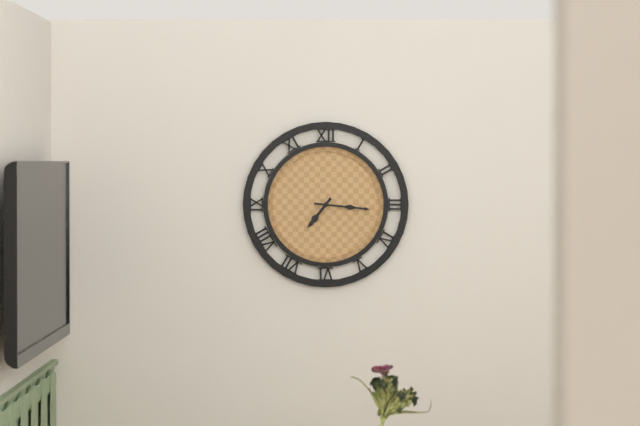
7:16
